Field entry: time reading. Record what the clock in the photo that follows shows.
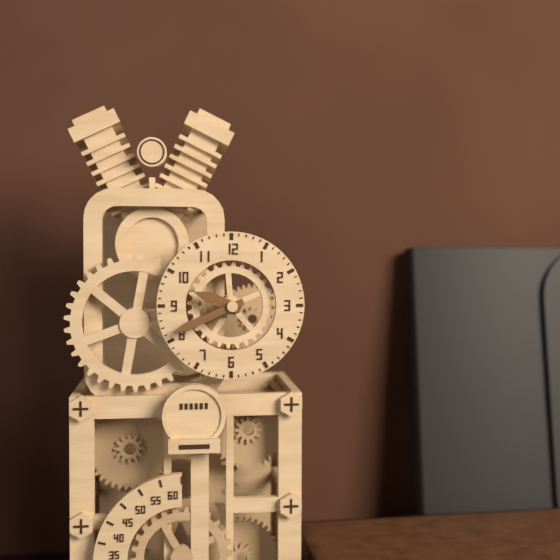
9:41
